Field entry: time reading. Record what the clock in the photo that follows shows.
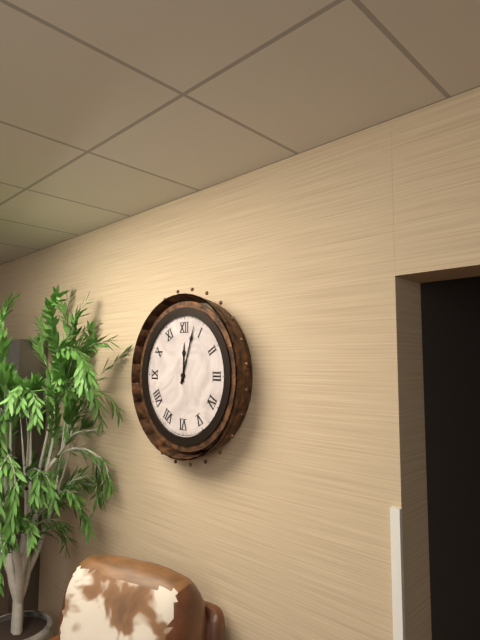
12:03
